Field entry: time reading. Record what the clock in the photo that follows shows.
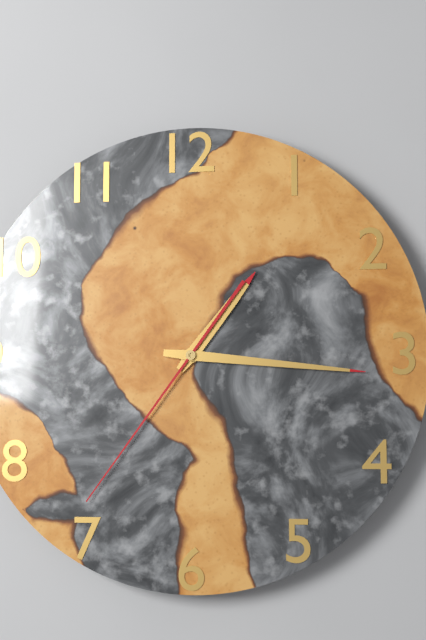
1:16:36
